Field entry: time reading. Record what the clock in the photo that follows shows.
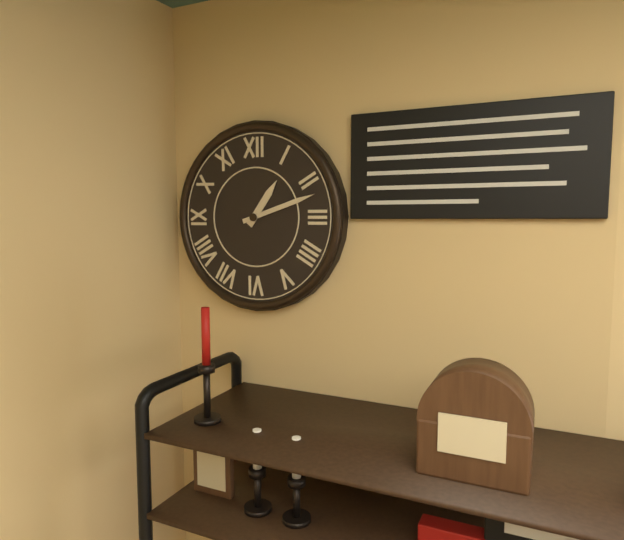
1:12
